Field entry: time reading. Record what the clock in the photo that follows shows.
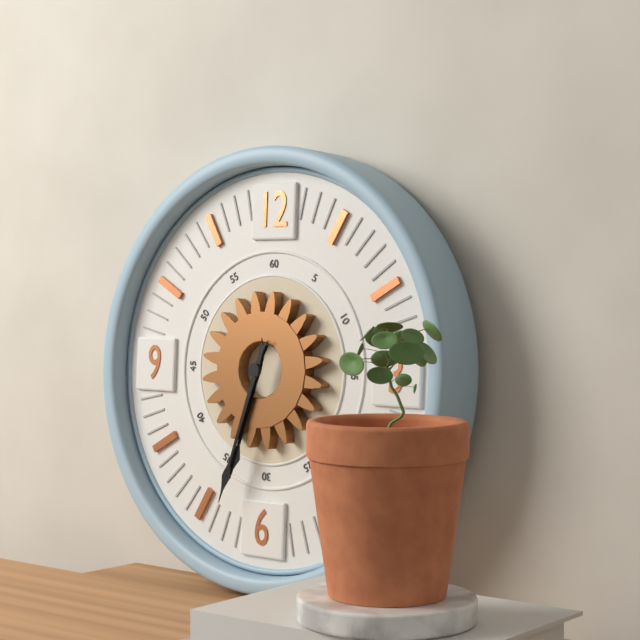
6:33
